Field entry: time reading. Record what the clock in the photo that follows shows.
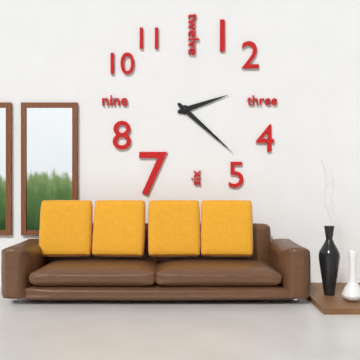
2:22
